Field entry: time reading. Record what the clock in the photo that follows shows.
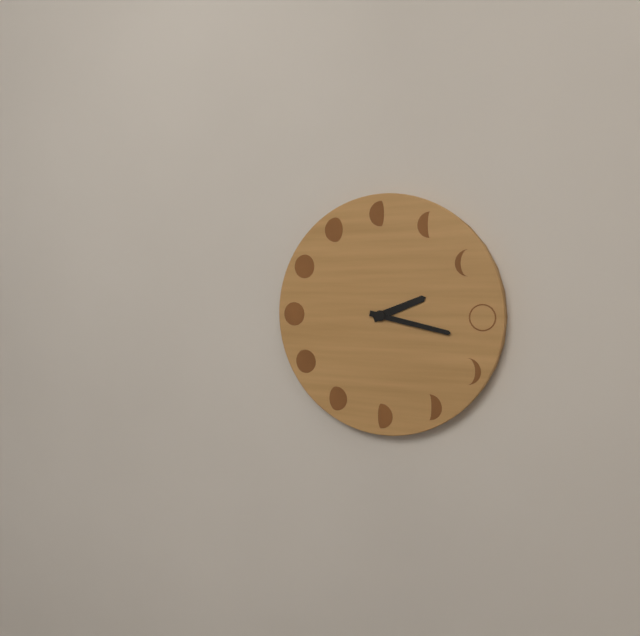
2:17
